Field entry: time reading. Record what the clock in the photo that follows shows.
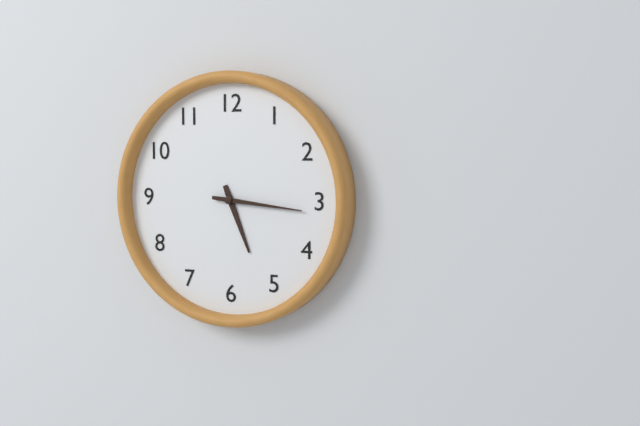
5:16
